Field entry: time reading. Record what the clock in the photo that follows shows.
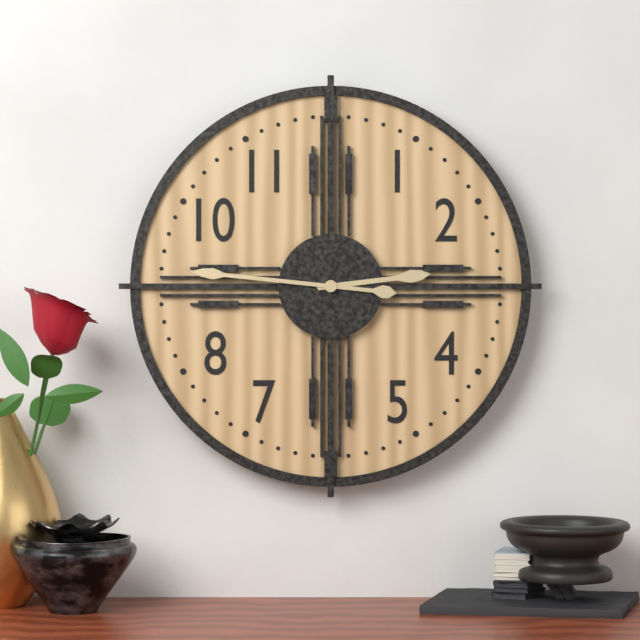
2:46
